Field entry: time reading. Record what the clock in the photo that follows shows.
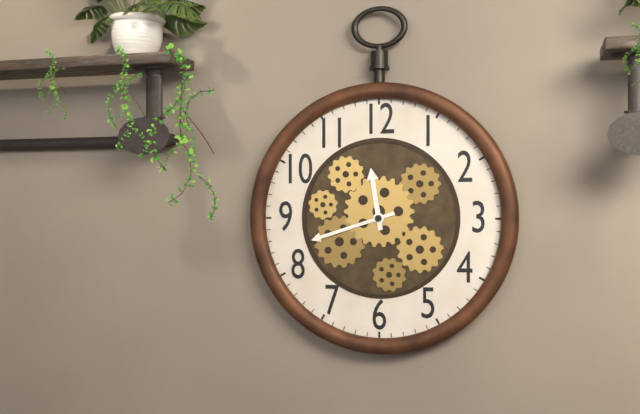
11:42
